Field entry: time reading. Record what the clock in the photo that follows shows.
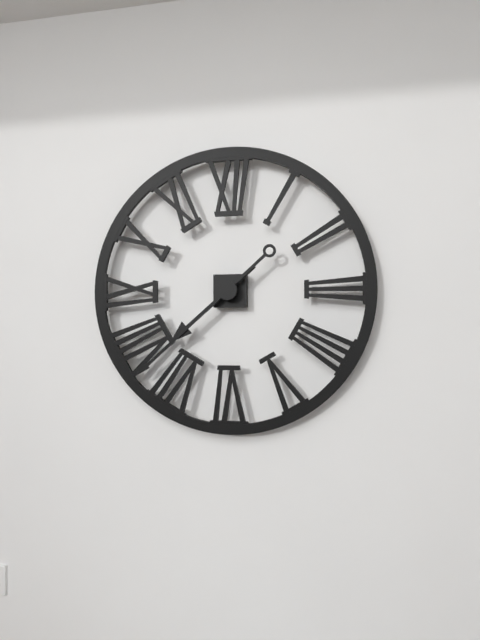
7:38
